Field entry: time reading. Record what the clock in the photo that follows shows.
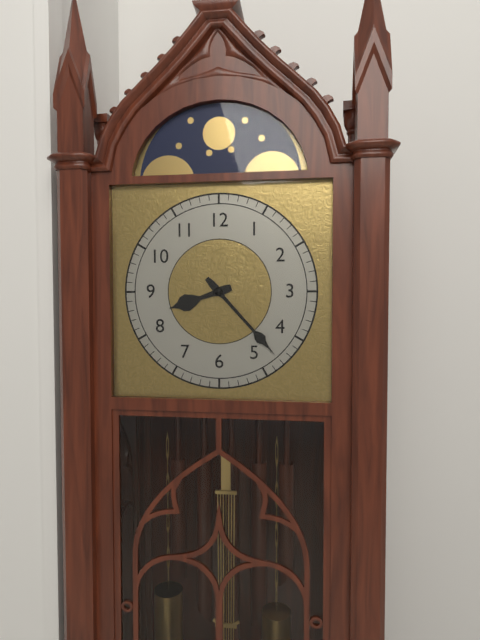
8:23
